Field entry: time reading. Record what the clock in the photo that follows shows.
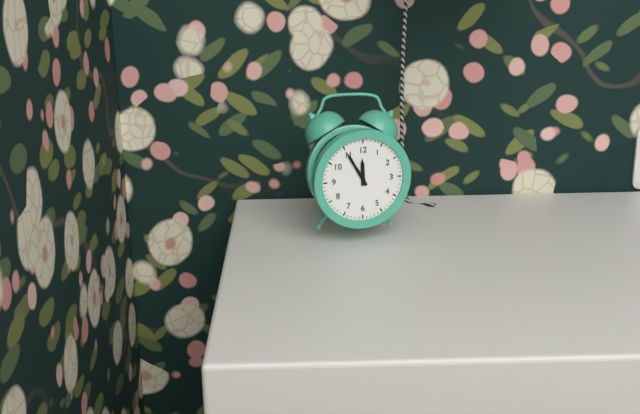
11:55
